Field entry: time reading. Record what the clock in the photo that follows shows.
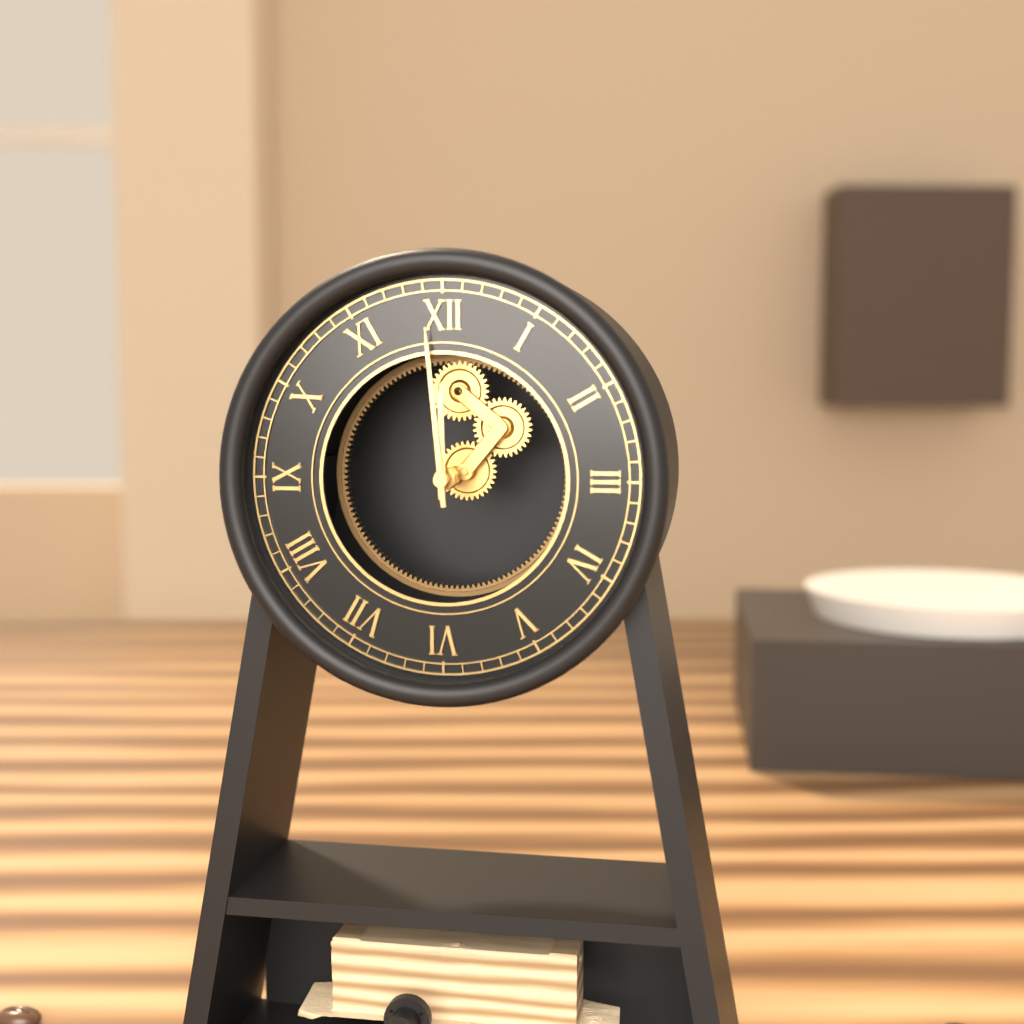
11:59
